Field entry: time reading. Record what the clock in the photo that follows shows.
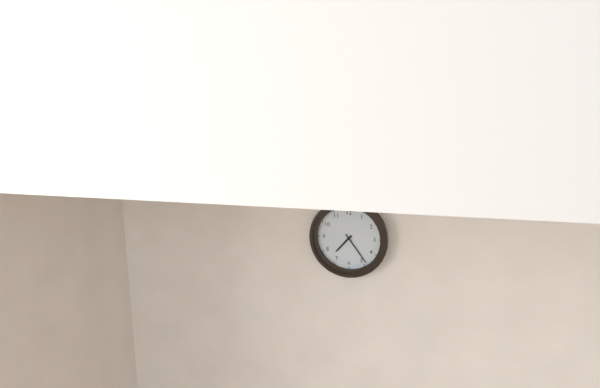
7:24
